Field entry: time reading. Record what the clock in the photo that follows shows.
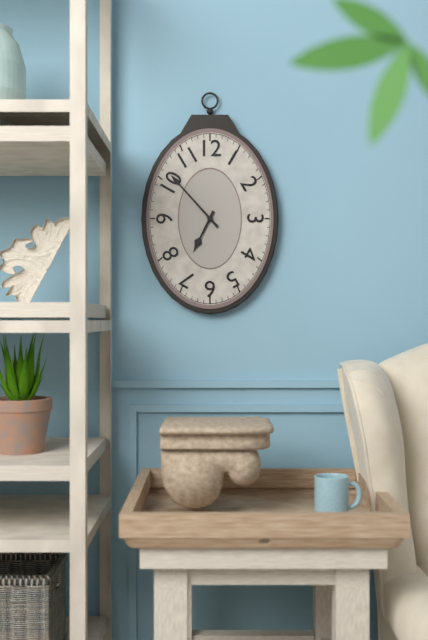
6:53
